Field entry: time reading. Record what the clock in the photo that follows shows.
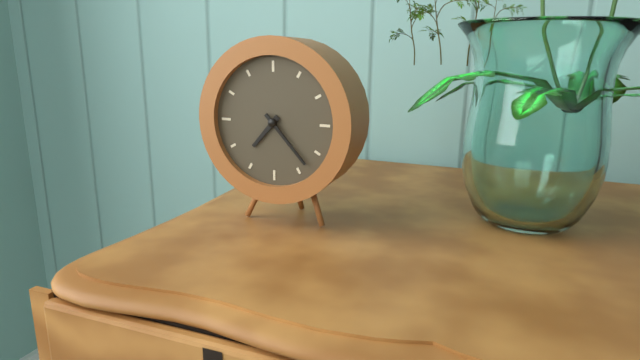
7:23
